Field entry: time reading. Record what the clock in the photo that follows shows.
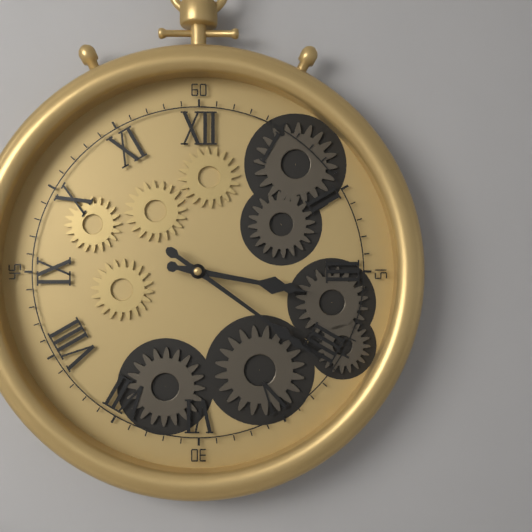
3:21
